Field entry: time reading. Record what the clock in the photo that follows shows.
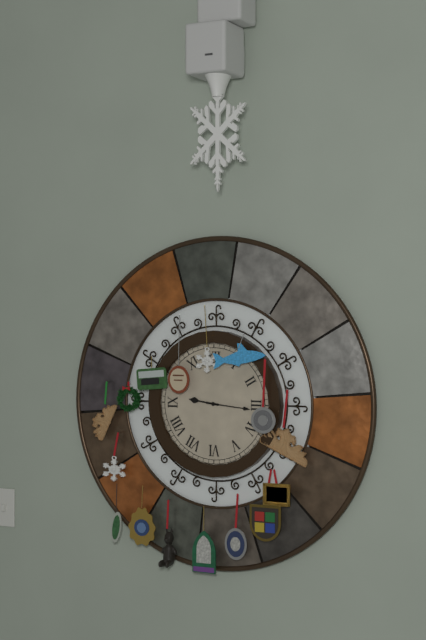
9:16
